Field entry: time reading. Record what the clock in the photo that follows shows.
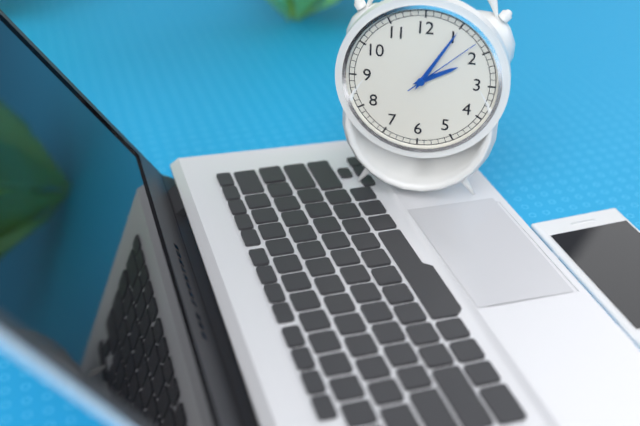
2:05:08
